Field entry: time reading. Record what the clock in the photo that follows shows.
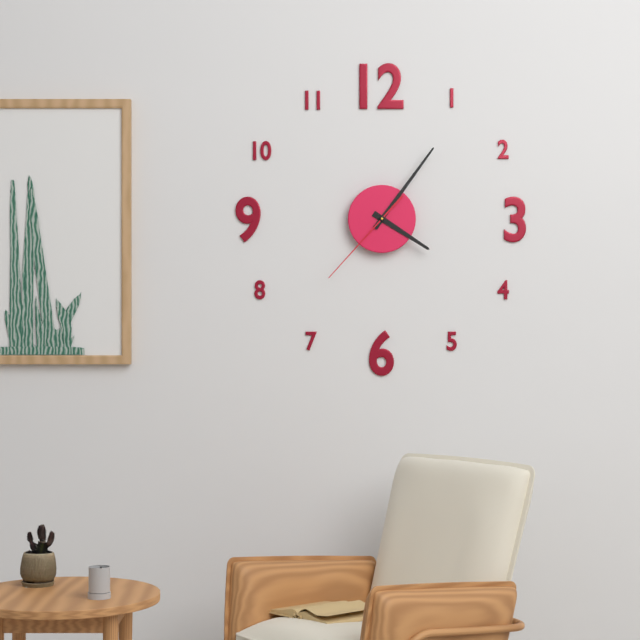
4:06:37
